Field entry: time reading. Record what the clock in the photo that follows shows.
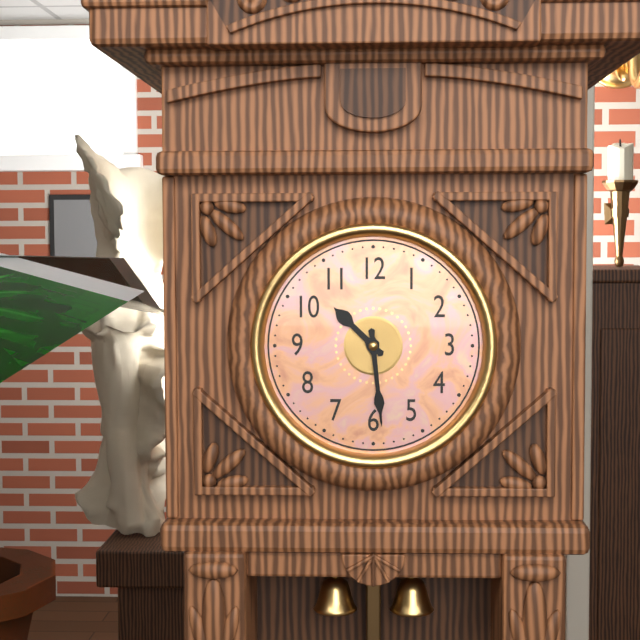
10:29
